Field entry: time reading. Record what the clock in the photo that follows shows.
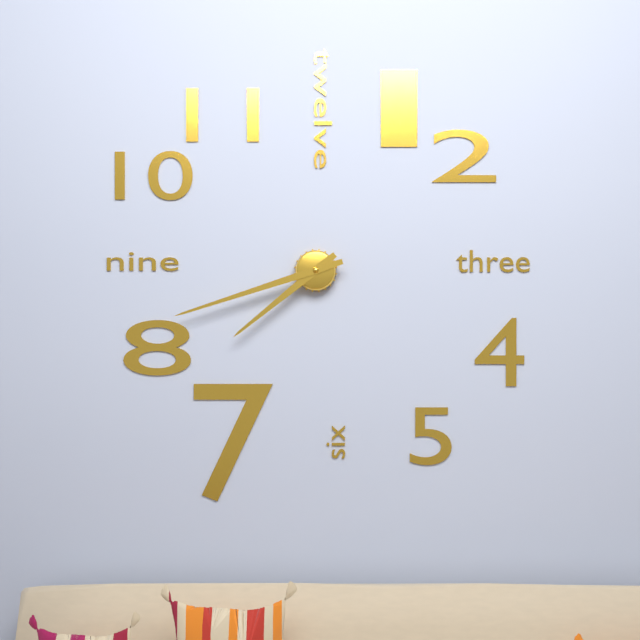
7:42
